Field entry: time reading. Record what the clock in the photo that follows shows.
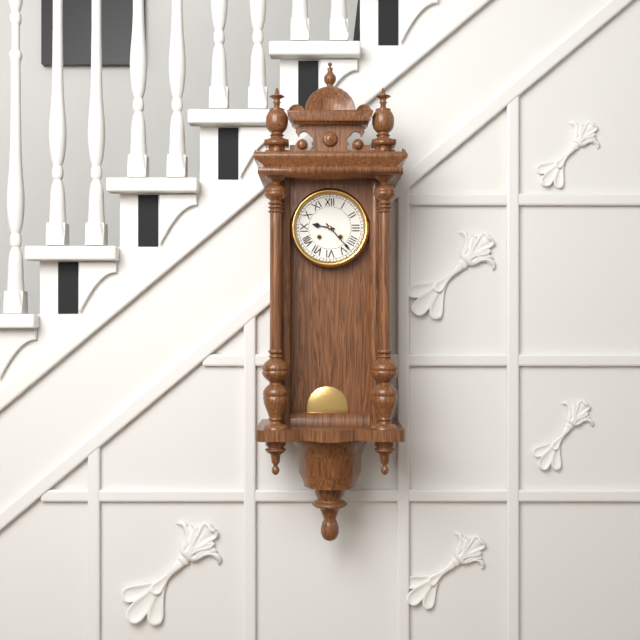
9:23
